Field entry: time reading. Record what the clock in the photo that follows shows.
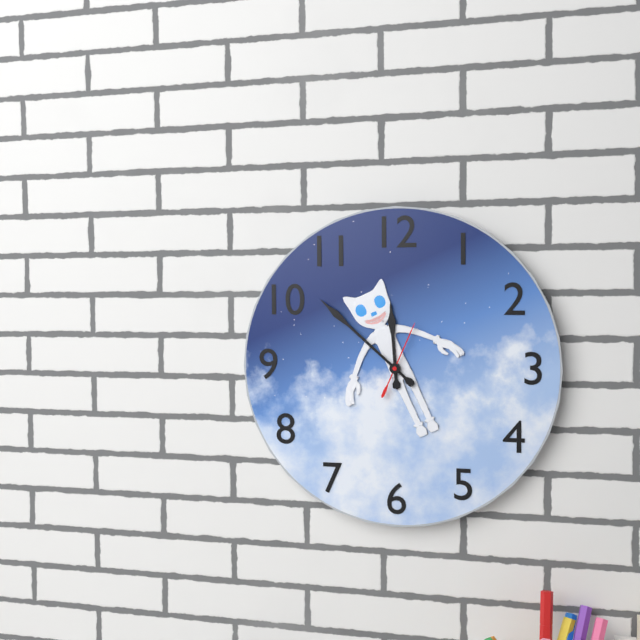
11:52:04
